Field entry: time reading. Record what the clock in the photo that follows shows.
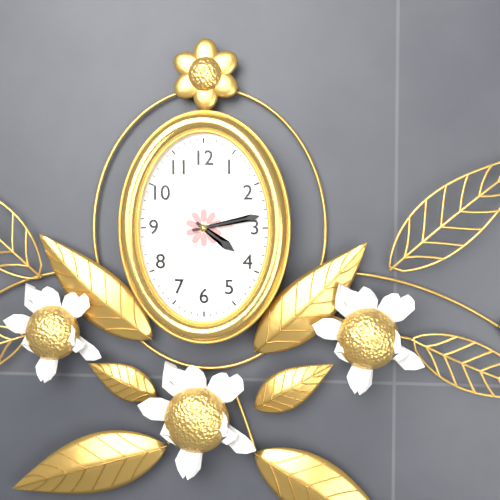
4:13
